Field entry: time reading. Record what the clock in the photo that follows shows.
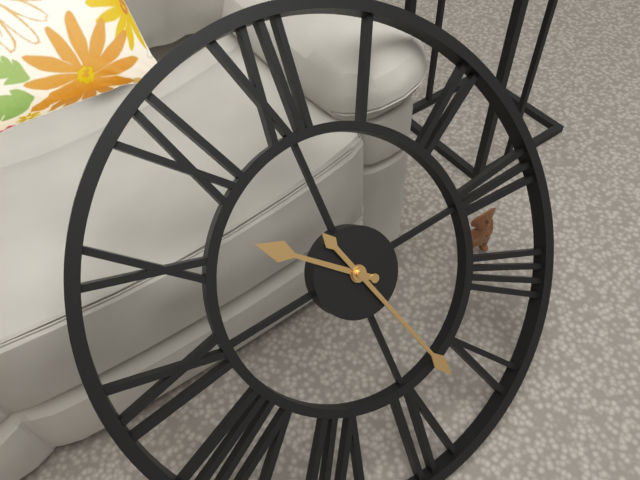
10:27
